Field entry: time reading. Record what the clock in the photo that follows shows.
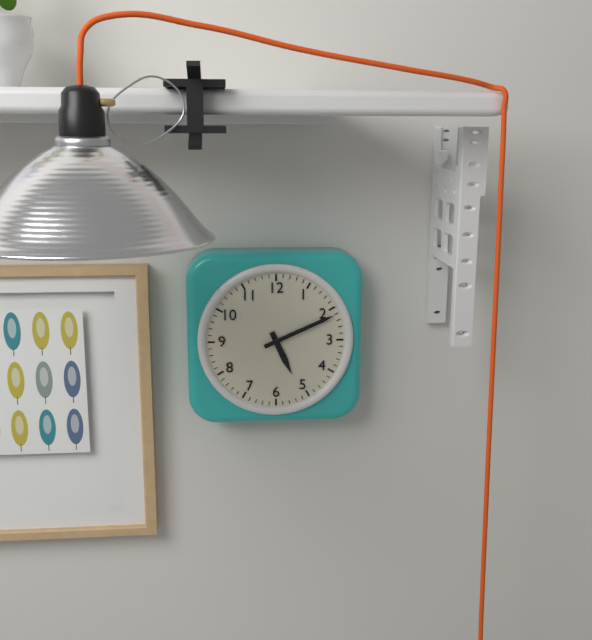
5:11
